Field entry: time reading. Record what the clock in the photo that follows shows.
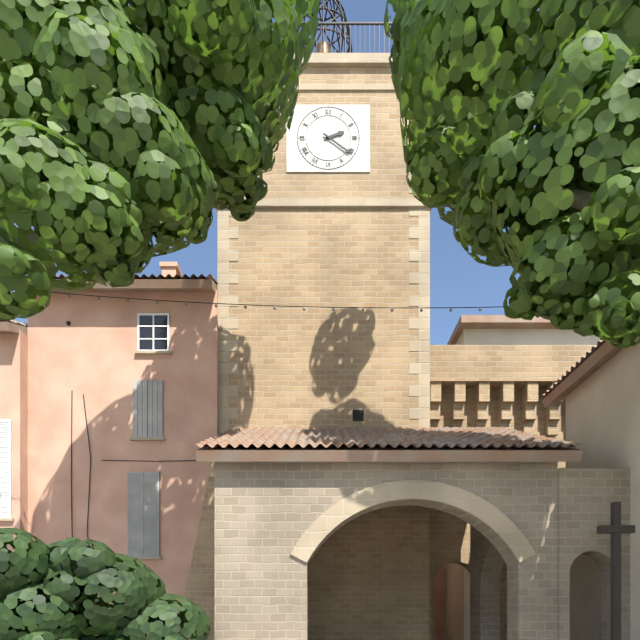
2:21
